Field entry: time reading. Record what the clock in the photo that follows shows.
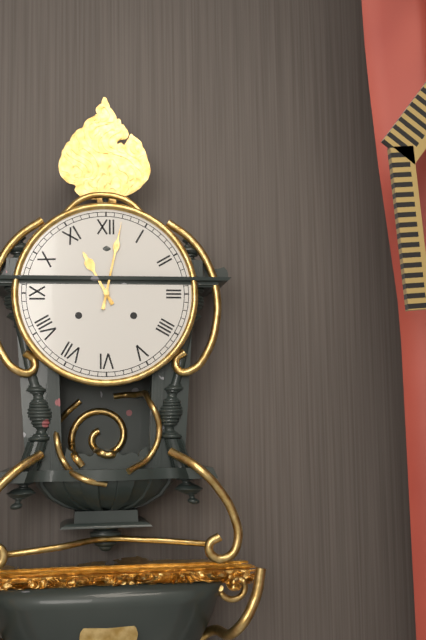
11:02
